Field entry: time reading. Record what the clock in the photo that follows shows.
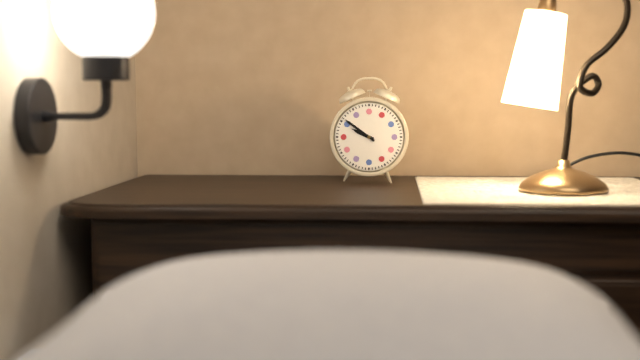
9:51
